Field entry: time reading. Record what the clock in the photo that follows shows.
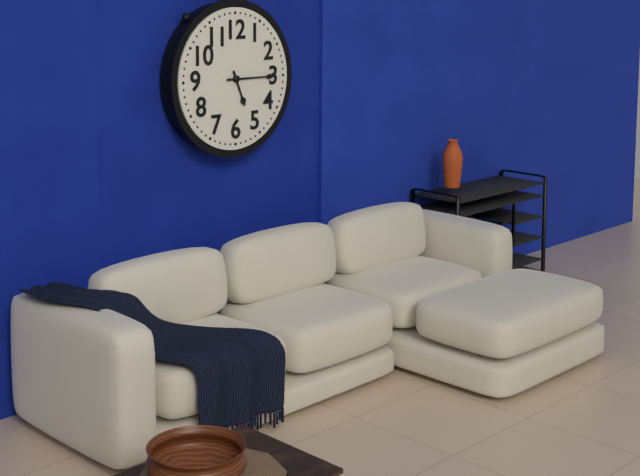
5:15
